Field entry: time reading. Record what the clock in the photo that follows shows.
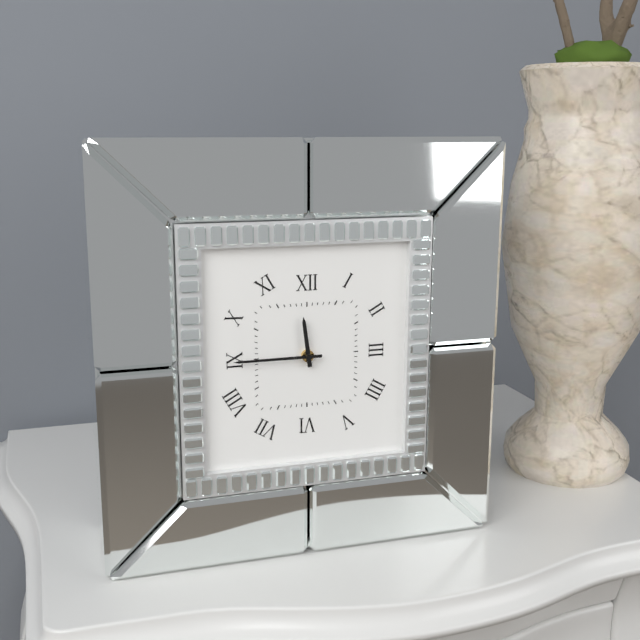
11:45
